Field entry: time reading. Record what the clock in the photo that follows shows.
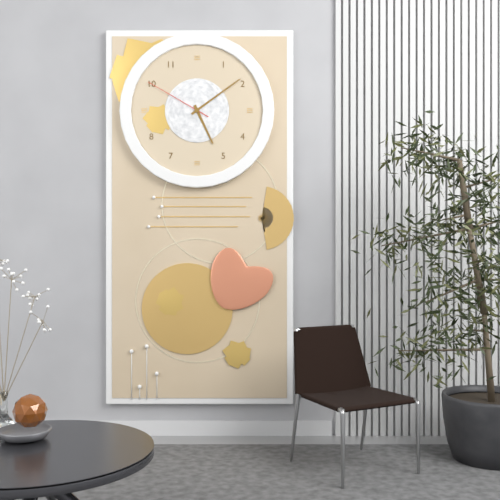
5:09:50
